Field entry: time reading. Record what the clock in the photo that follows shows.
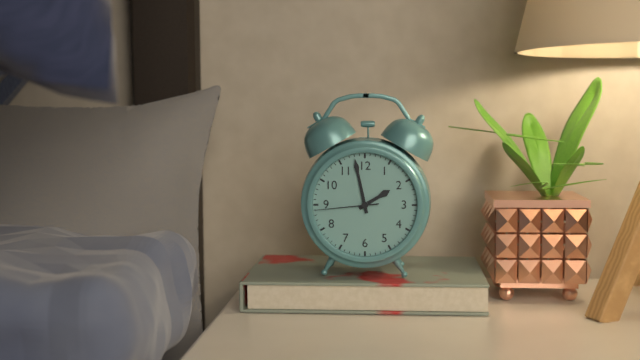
1:58:44
